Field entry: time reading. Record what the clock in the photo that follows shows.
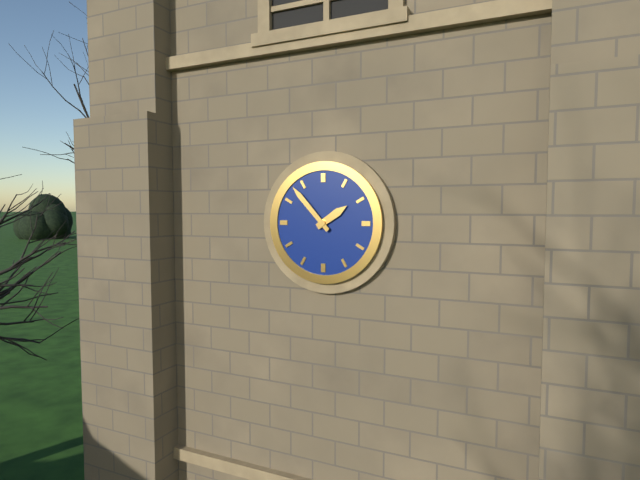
1:53
